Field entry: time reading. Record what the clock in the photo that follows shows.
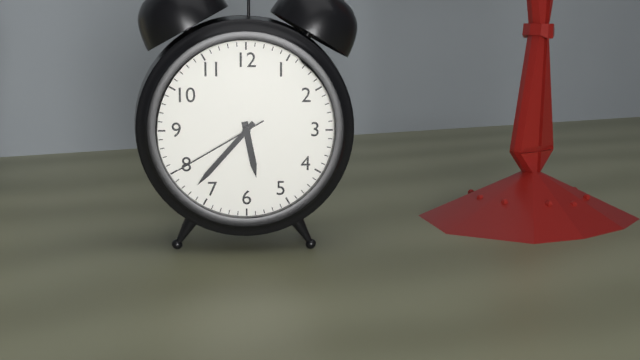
5:37:40
